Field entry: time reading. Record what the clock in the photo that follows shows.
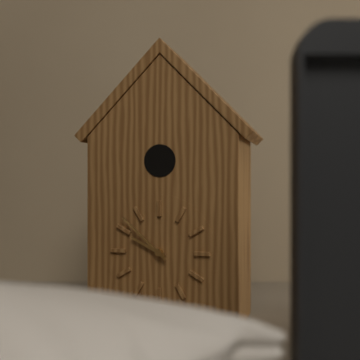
9:52
